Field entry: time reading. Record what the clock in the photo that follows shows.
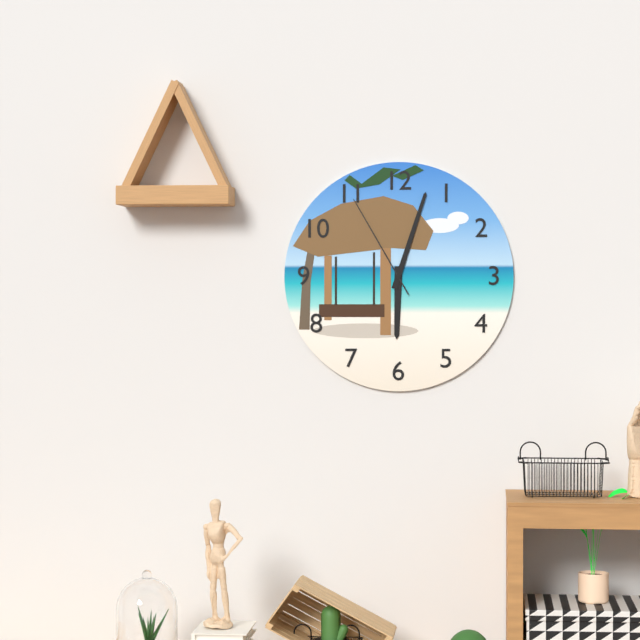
6:03:55
